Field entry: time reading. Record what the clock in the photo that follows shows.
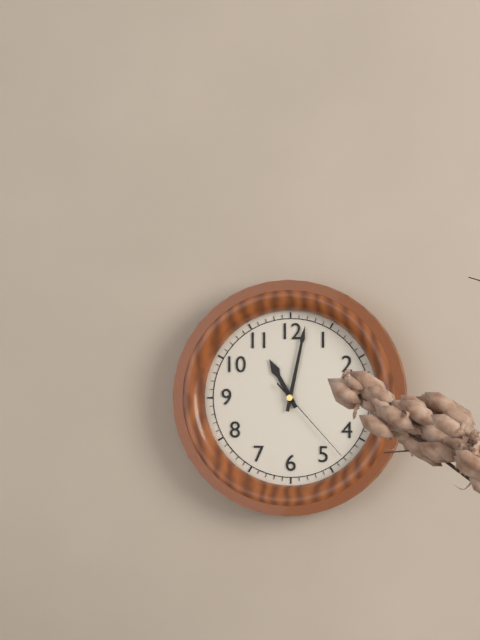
11:02:23
